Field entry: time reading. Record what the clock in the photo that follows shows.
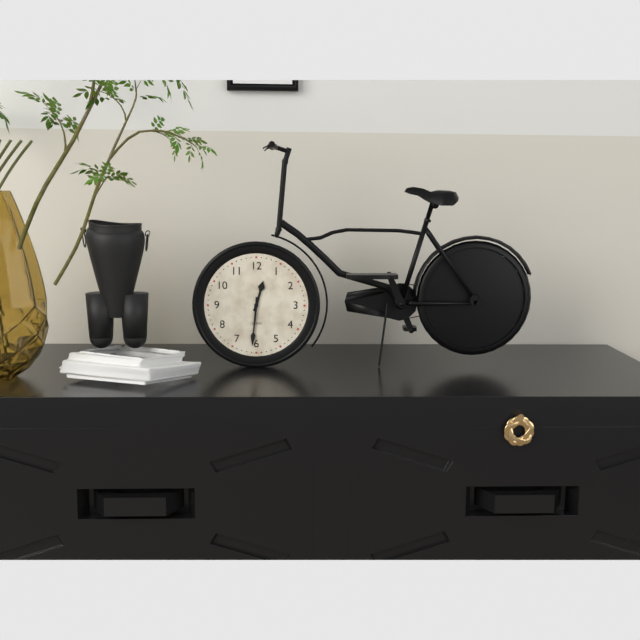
12:31
